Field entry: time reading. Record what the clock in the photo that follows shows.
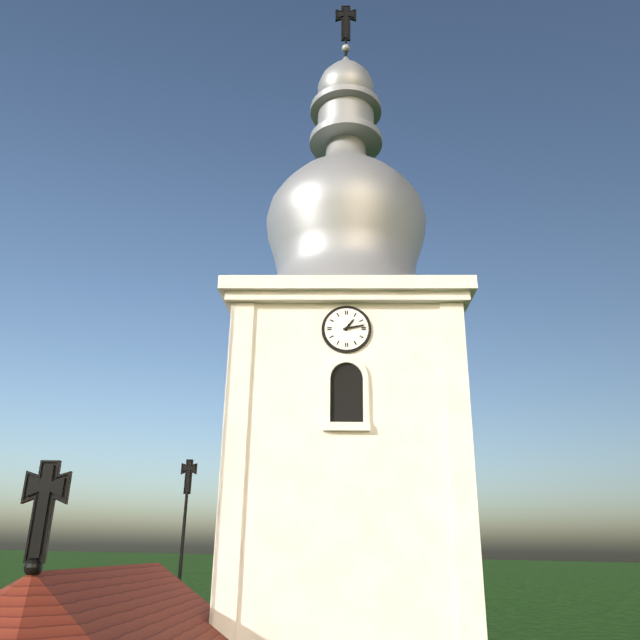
1:13
